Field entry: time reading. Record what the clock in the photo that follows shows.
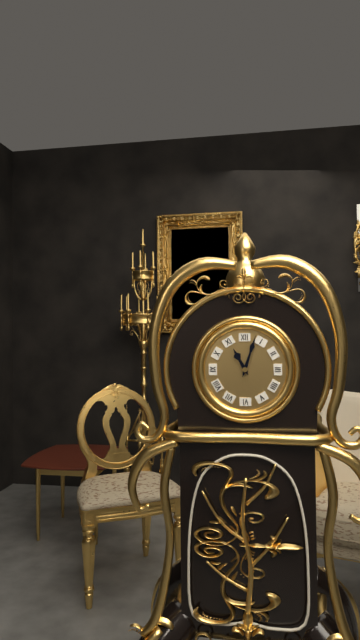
11:03
